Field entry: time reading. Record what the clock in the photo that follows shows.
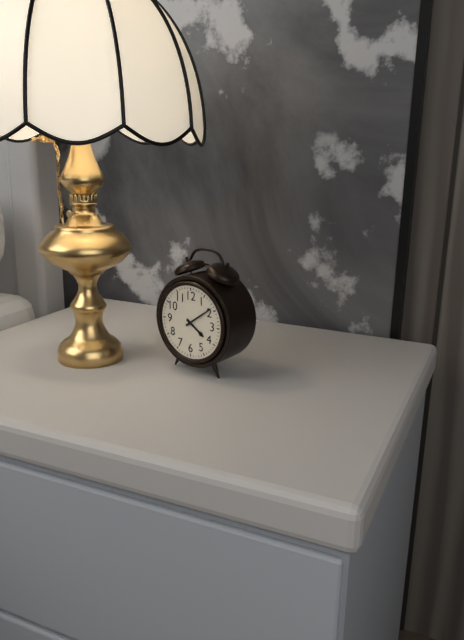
4:09
